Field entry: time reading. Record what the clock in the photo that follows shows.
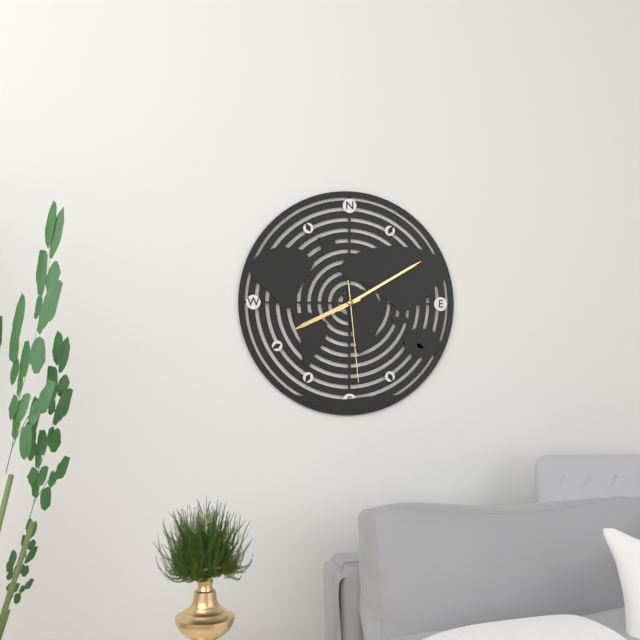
8:10:29
